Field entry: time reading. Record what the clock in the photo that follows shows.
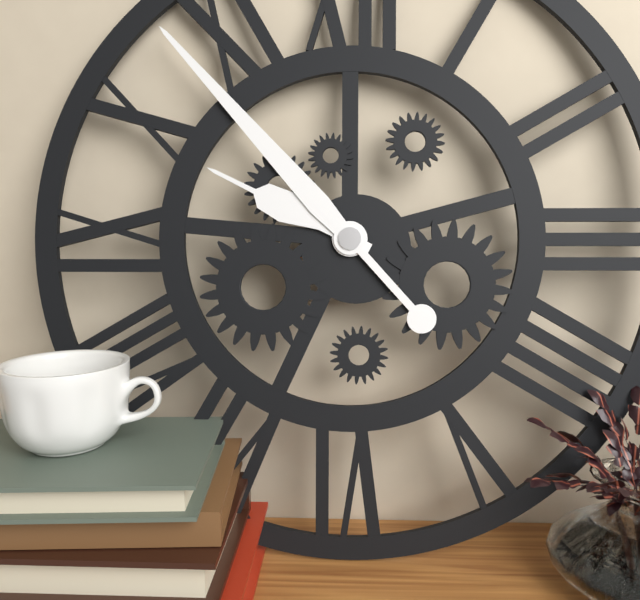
9:53
